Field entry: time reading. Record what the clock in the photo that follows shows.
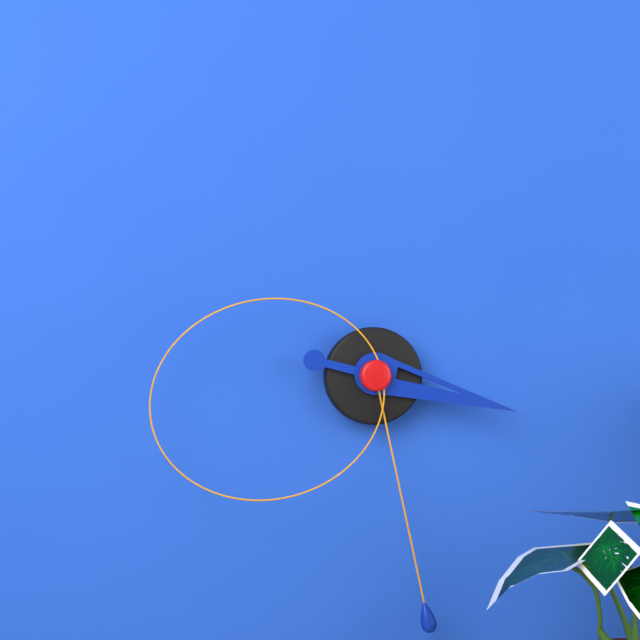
3:28:43
